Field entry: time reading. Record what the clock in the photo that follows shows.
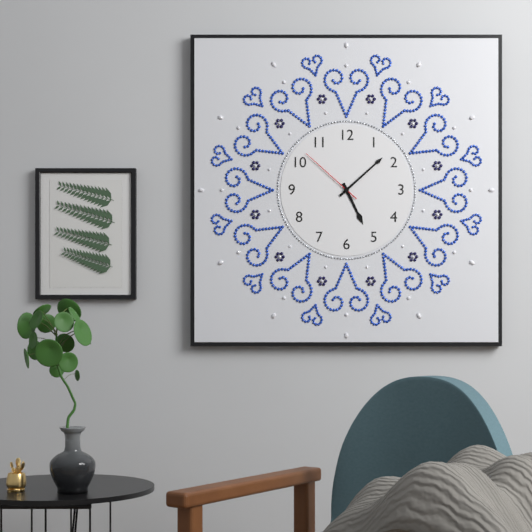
5:08:52
